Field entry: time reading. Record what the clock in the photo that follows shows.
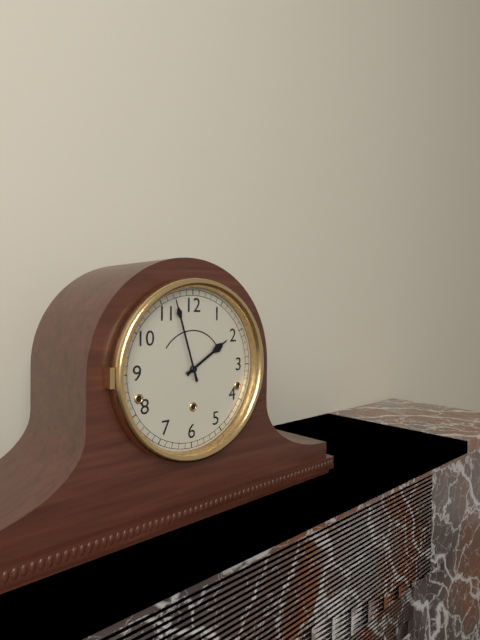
1:57
